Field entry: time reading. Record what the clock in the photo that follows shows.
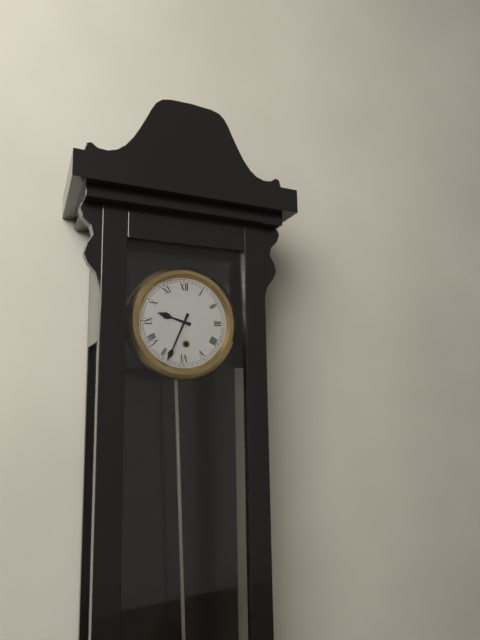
9:34
